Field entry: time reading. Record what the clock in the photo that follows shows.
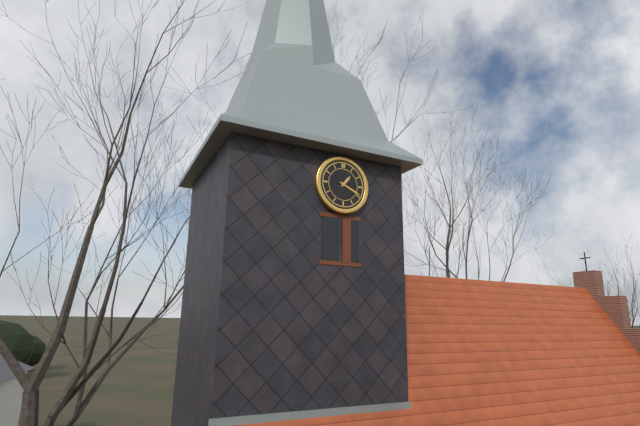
1:19
